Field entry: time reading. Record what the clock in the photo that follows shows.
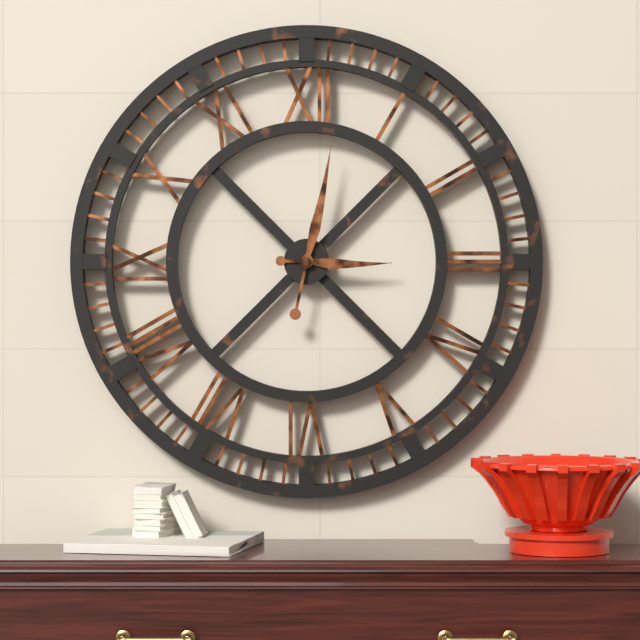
3:02
